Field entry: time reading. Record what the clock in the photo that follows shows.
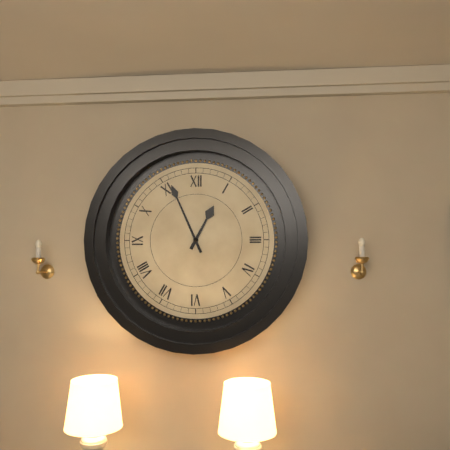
12:56
